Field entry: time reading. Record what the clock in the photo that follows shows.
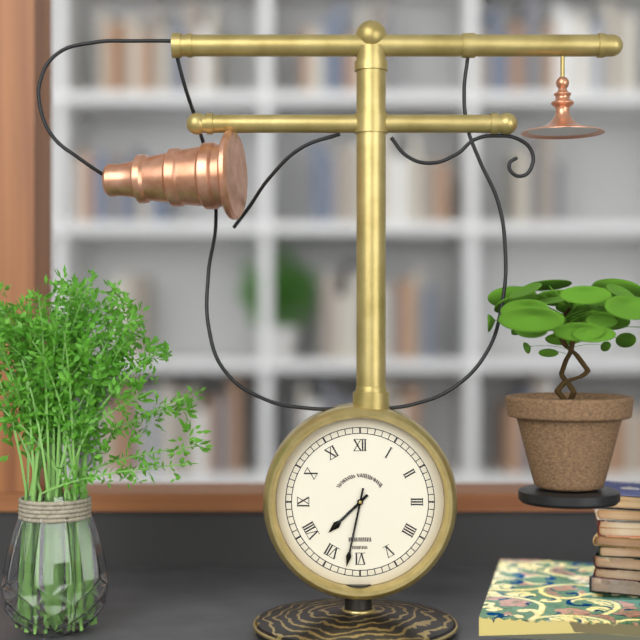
7:32
